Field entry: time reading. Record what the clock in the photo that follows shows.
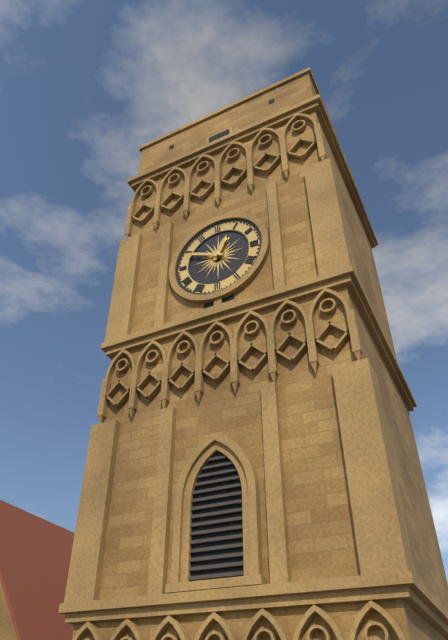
12:49
